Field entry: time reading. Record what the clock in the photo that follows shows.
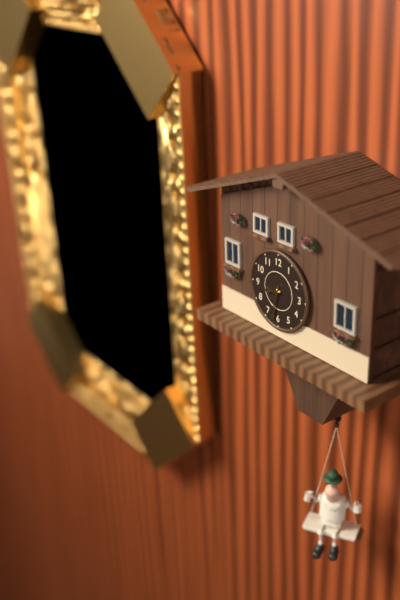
8:32
